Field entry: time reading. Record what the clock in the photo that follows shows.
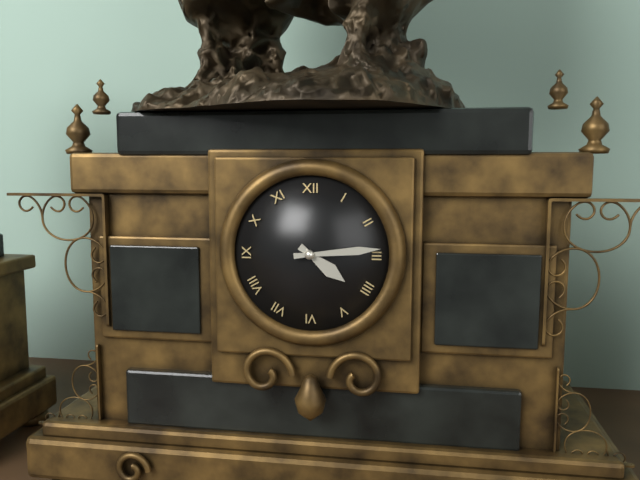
4:14
